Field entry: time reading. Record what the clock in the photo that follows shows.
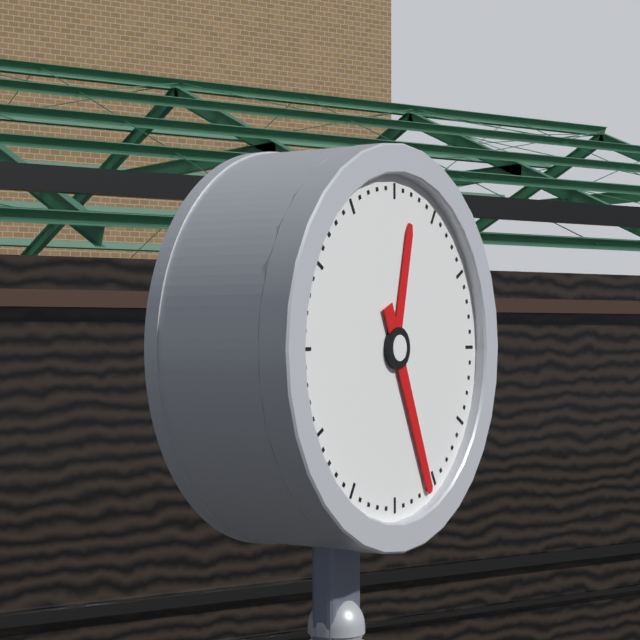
12:26
